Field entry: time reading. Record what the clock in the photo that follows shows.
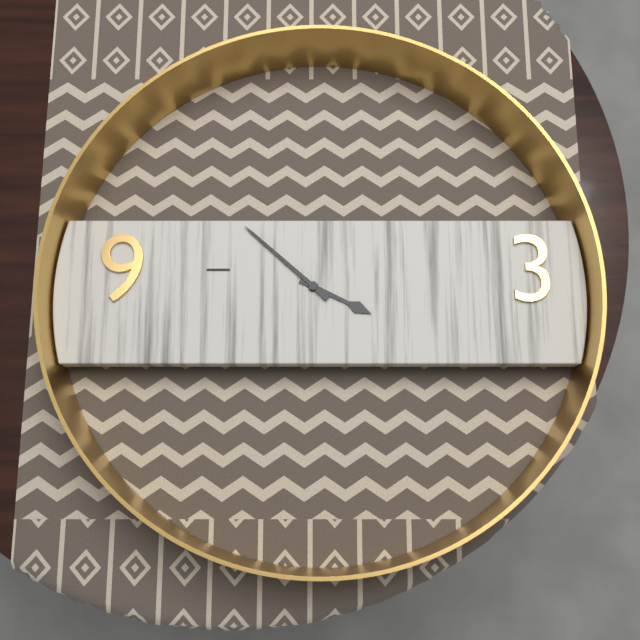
3:52
